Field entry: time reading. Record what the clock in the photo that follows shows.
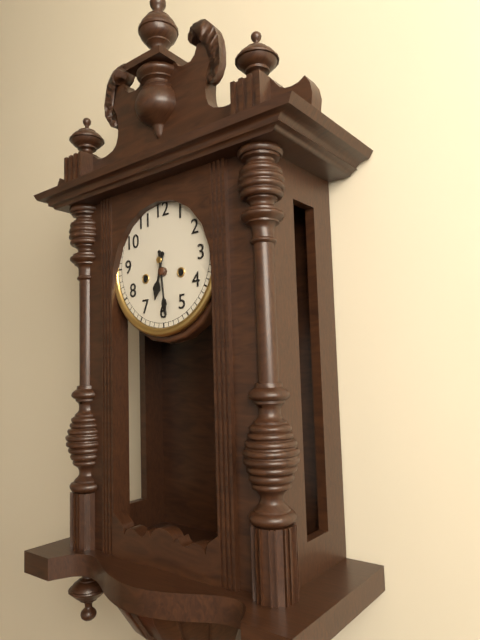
6:29
